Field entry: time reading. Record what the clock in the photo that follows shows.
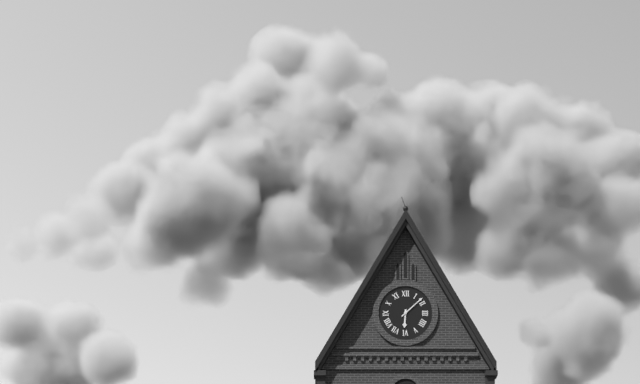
6:08
